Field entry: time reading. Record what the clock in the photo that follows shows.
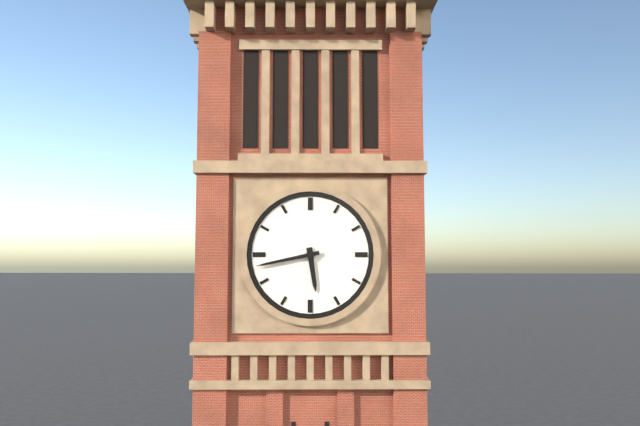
5:43
